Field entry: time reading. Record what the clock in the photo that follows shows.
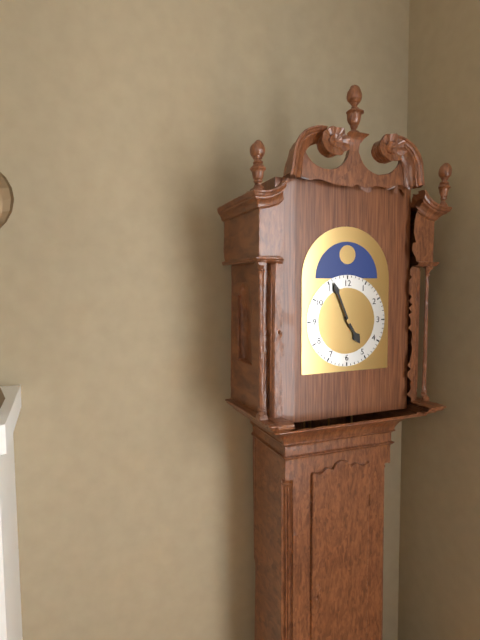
4:56
